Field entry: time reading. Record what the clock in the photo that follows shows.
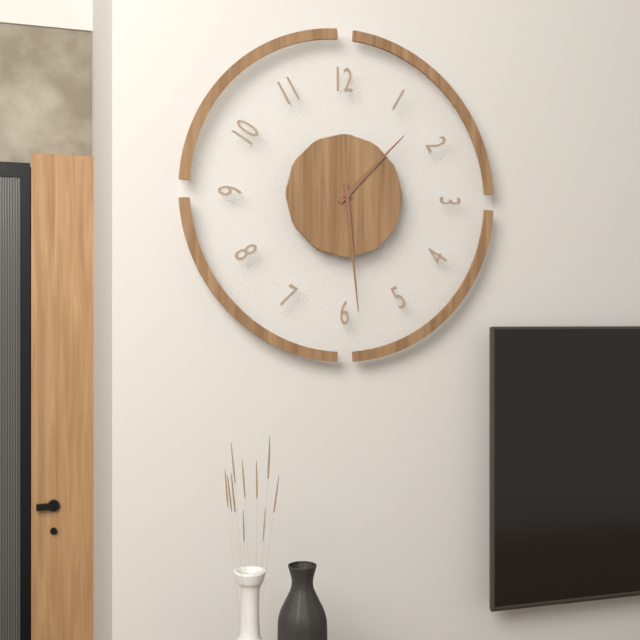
1:29
